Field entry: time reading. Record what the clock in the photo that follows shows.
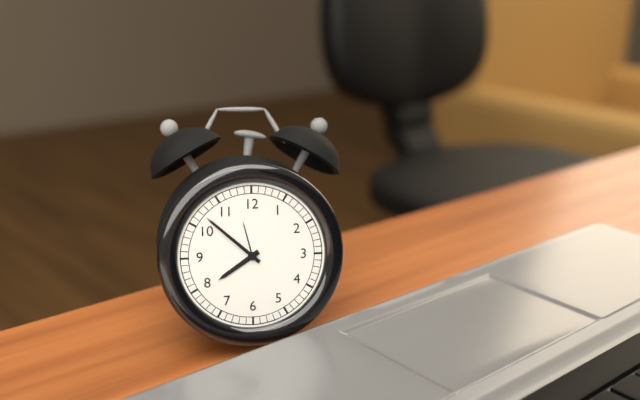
7:52
